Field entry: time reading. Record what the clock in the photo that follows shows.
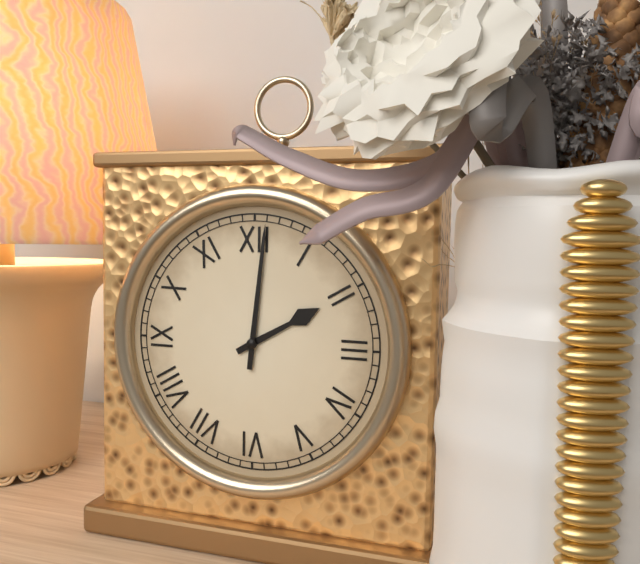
2:01
